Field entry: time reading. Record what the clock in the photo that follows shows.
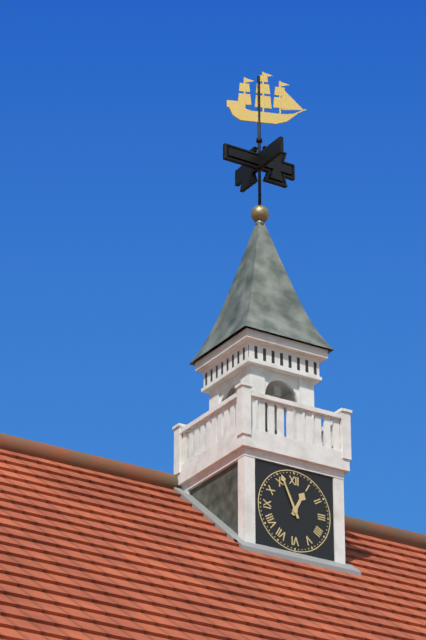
12:56
